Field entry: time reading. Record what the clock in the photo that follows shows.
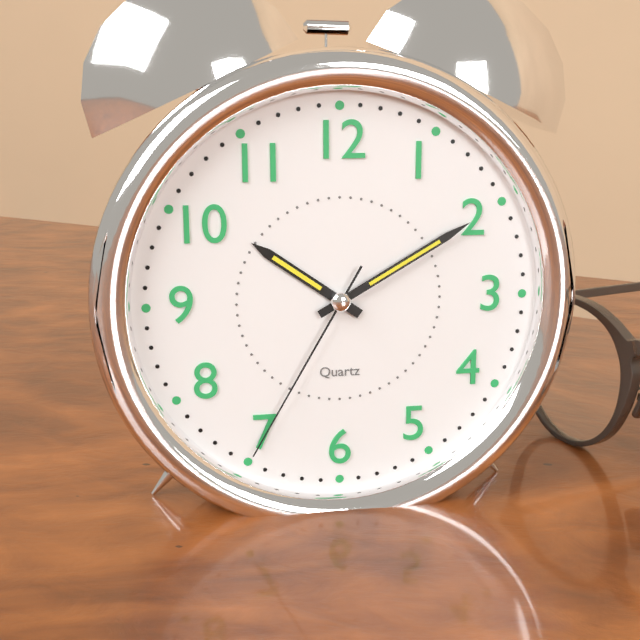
10:10:35
